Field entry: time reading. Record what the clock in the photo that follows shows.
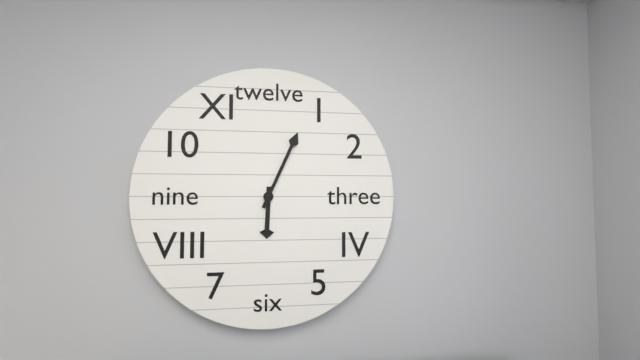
6:04
